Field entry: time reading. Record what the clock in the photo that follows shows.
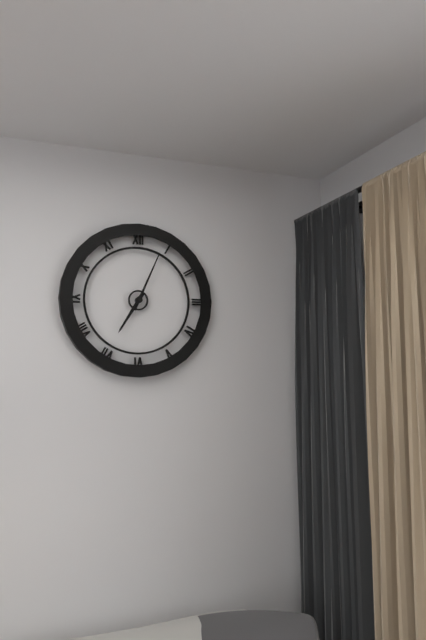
7:04
